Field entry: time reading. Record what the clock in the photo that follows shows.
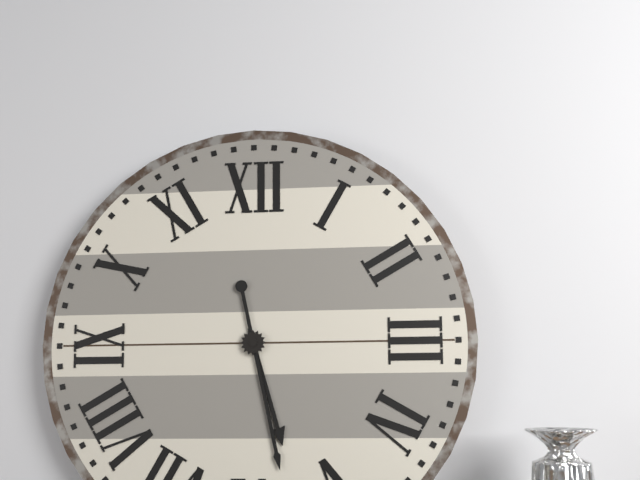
5:28
